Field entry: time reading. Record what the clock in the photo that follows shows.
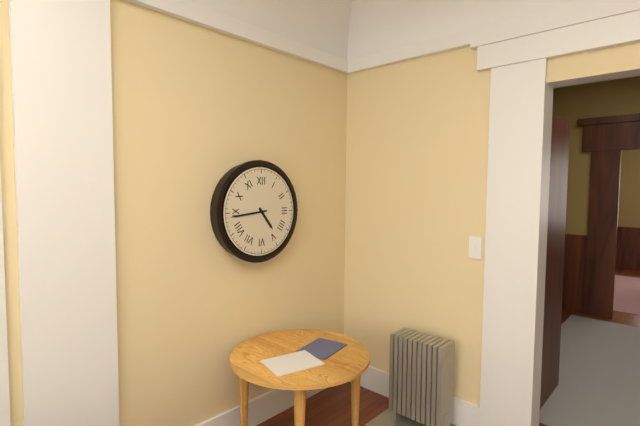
4:44
